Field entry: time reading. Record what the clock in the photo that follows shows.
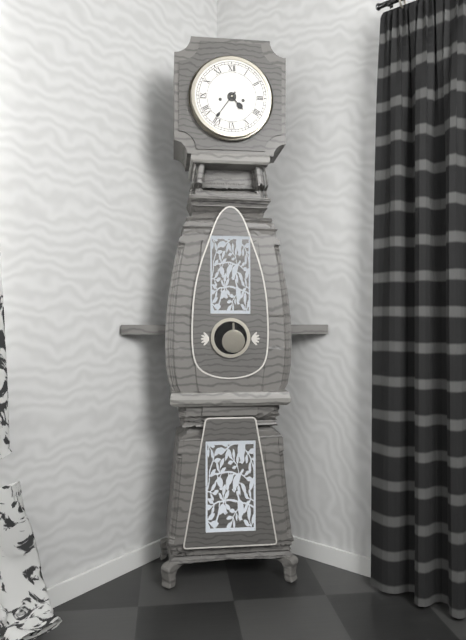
4:36
